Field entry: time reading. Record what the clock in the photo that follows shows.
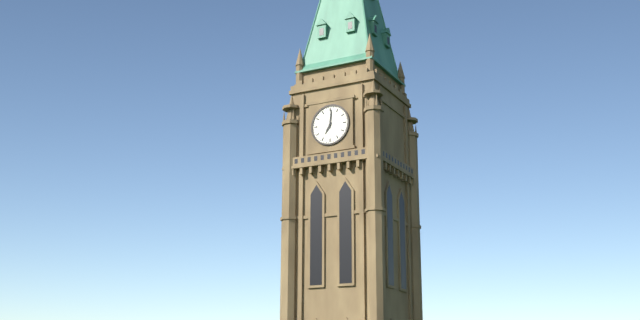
7:01
